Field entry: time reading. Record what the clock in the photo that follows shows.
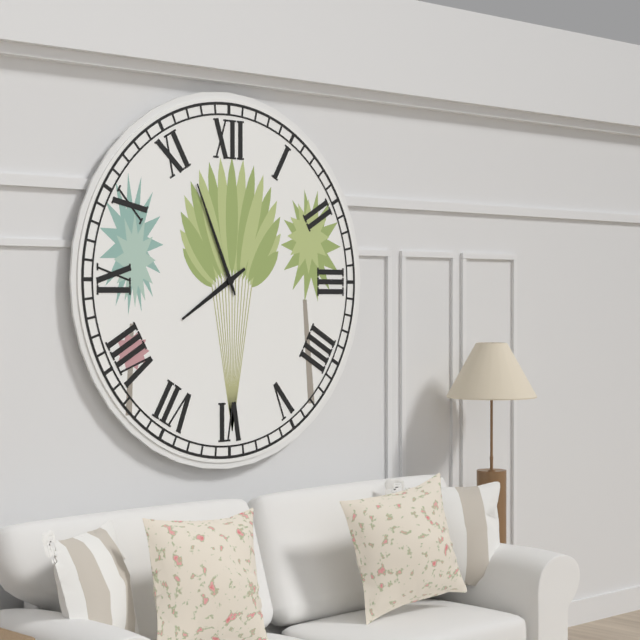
7:56
